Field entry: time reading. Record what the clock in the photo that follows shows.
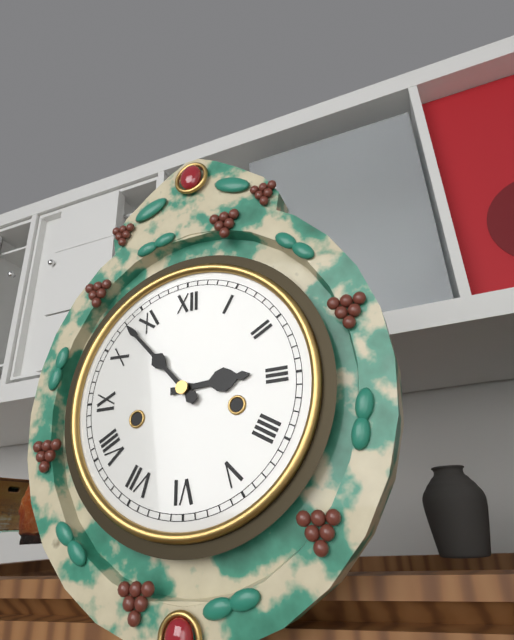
2:53
